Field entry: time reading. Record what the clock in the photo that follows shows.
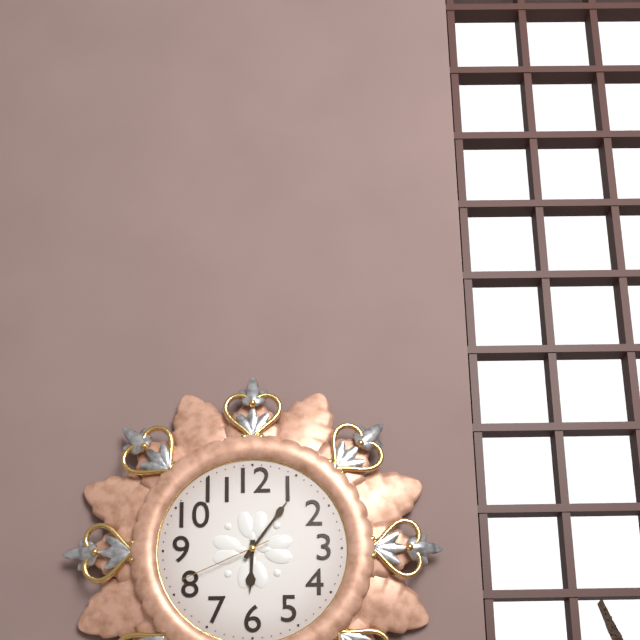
6:06:41
